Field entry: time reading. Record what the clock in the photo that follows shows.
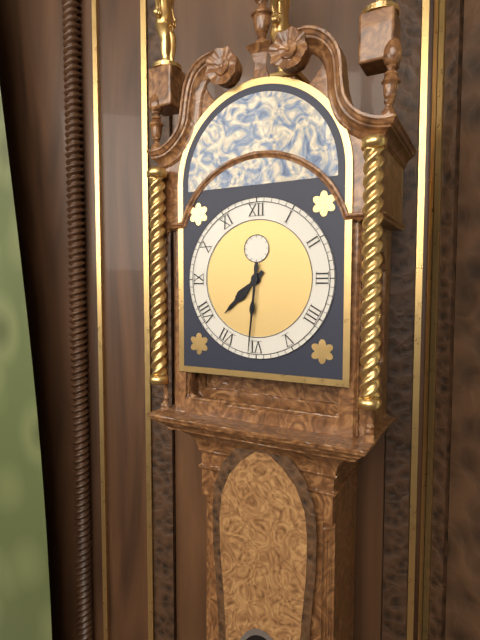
7:31
